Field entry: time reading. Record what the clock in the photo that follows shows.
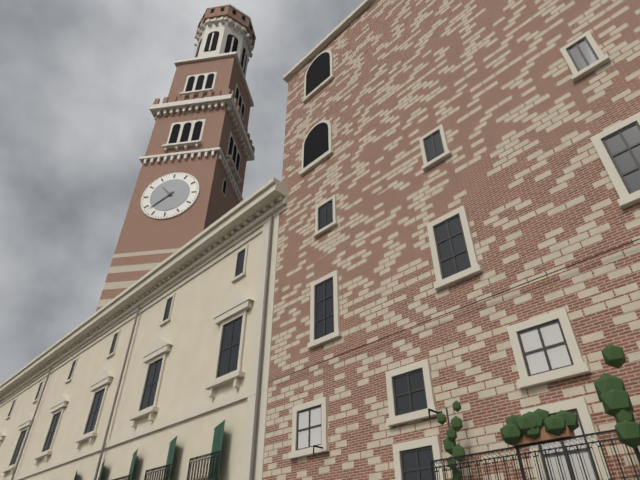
10:38
